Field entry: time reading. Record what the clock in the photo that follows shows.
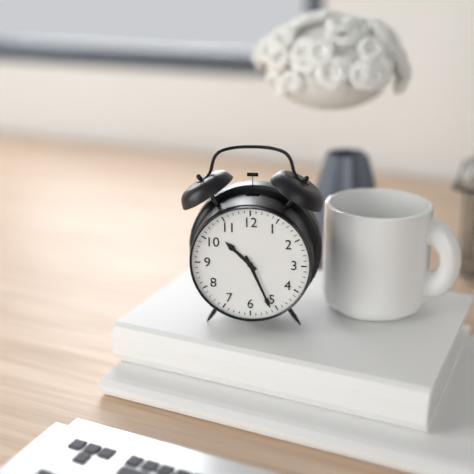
10:26
